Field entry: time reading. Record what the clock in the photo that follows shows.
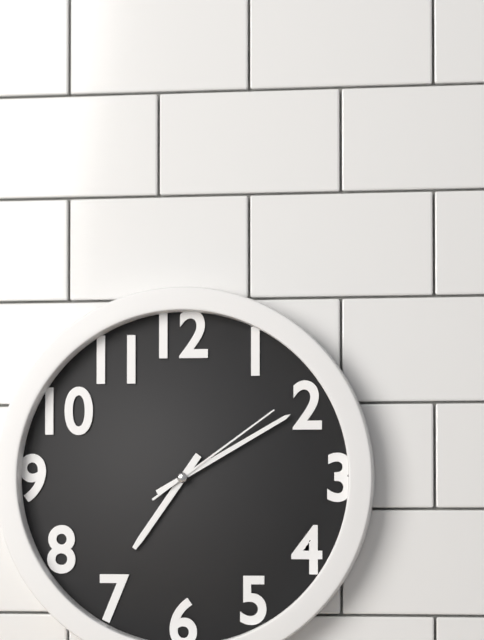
7:10:09
